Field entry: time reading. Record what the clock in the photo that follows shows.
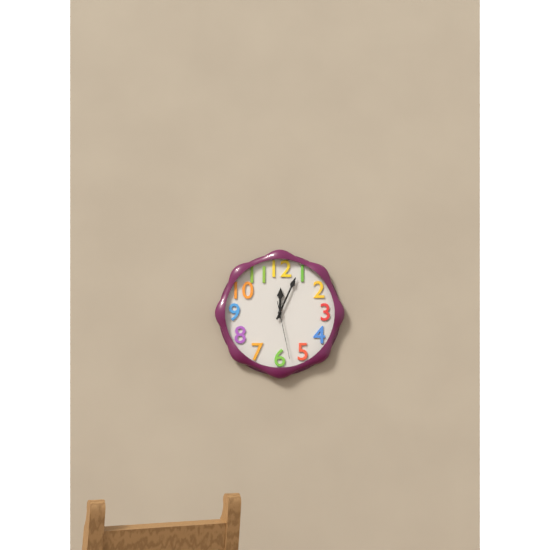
12:04:28
